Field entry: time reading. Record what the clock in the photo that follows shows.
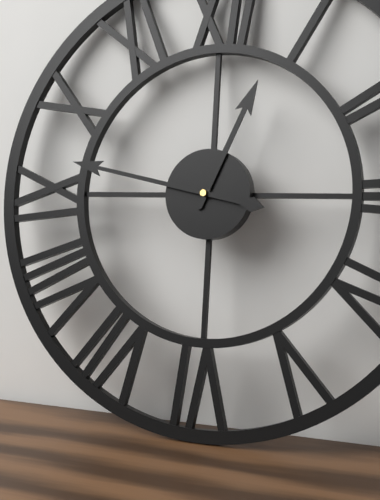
12:47
